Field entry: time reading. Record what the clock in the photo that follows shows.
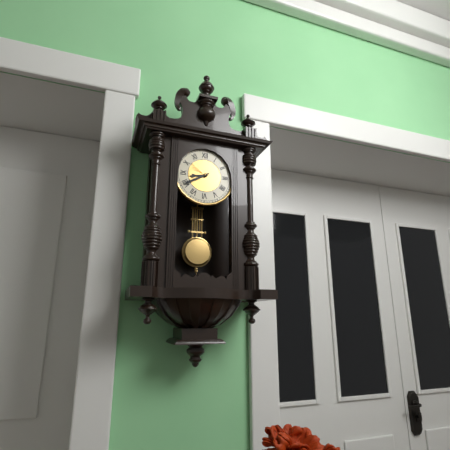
8:40
